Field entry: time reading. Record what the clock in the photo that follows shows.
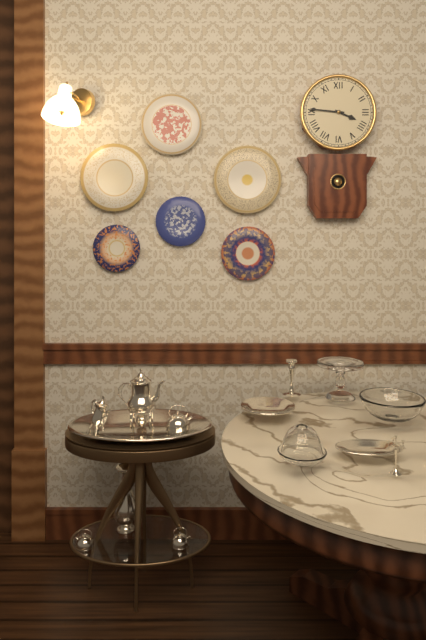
3:46
